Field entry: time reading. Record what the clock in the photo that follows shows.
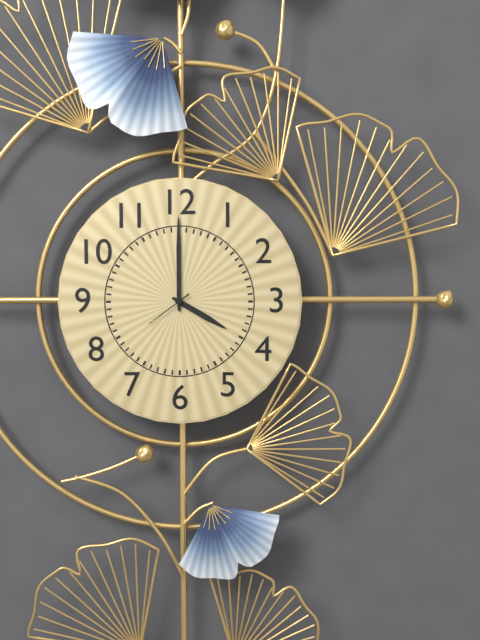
4:00
